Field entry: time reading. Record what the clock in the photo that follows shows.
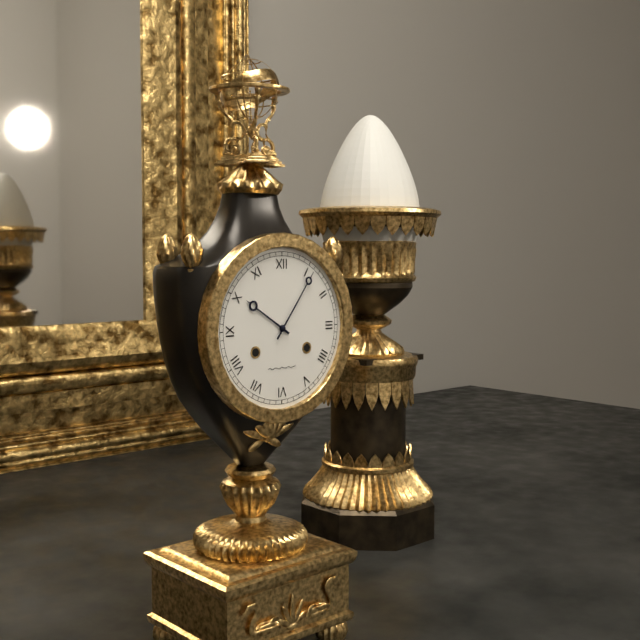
10:06
